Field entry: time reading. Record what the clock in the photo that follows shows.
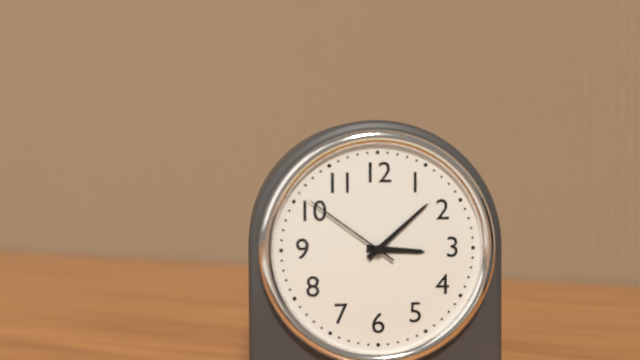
3:08:51
